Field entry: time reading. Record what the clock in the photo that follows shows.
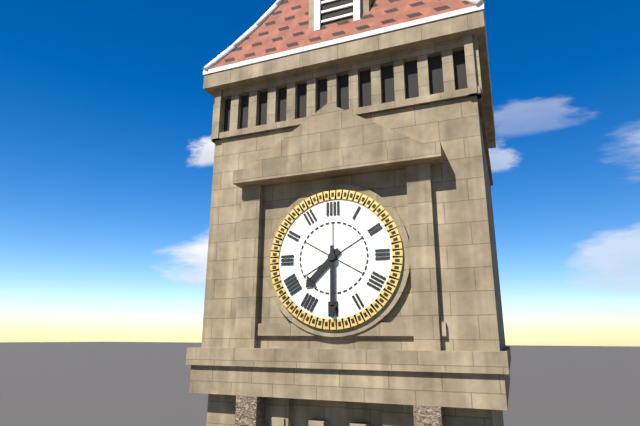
7:30
